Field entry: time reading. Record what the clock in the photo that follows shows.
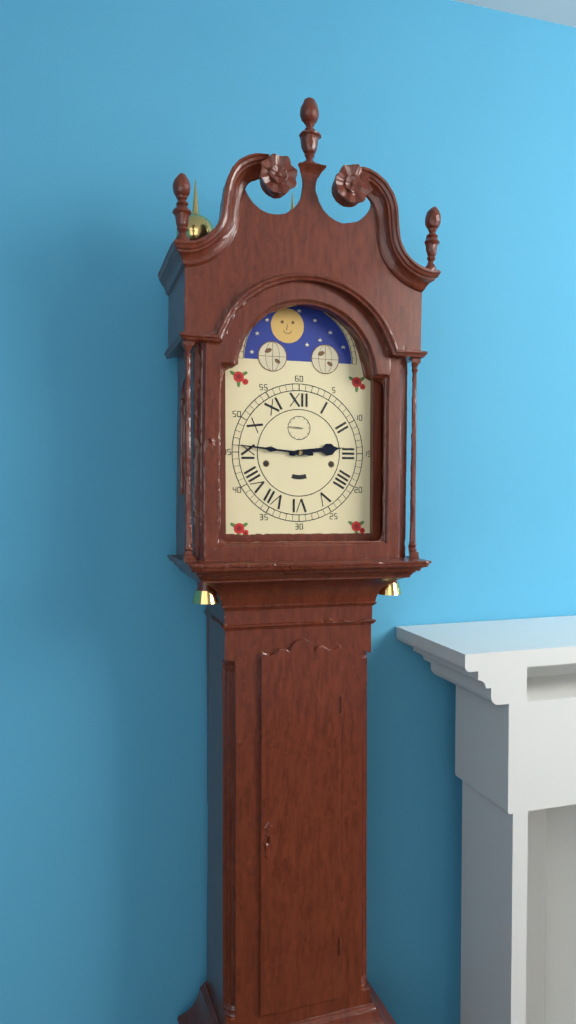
2:46
